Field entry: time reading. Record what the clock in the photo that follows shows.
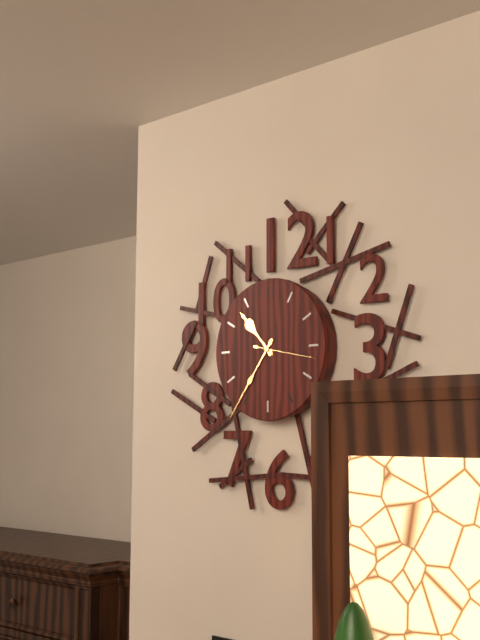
10:36:17
